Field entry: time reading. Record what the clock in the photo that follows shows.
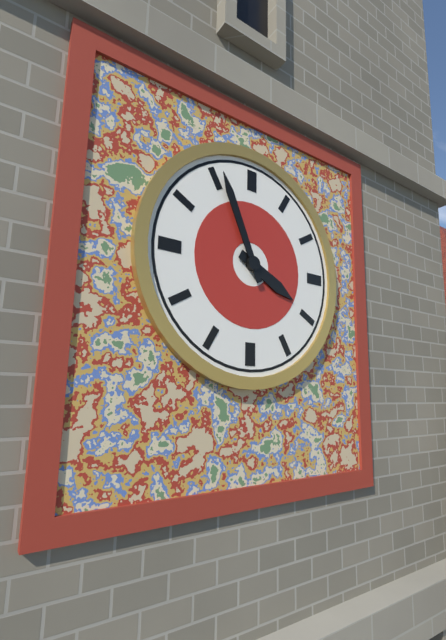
3:56
